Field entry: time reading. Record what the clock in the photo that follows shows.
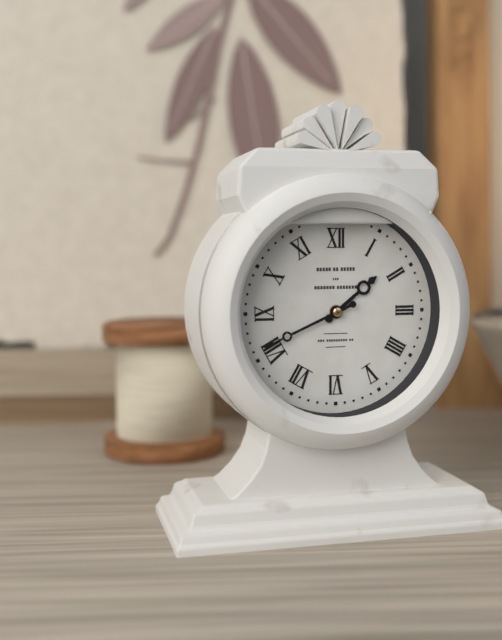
1:41
